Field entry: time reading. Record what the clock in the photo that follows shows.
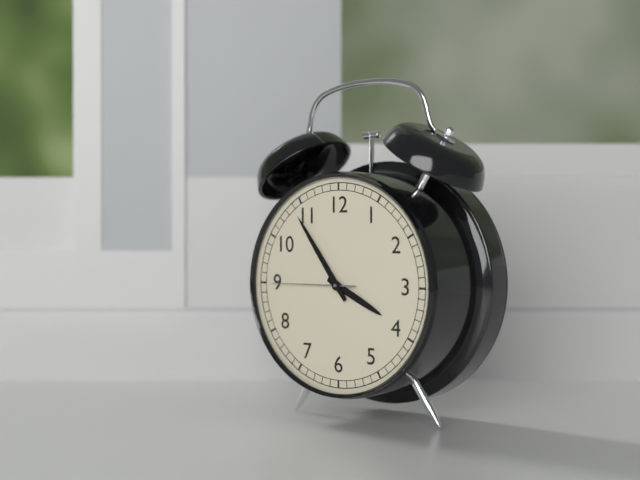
3:54:45
